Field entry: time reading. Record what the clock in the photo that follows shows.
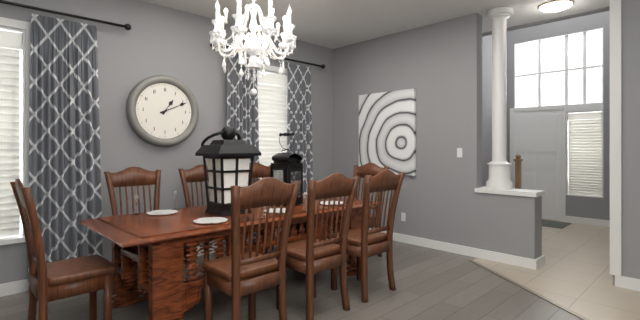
1:11
